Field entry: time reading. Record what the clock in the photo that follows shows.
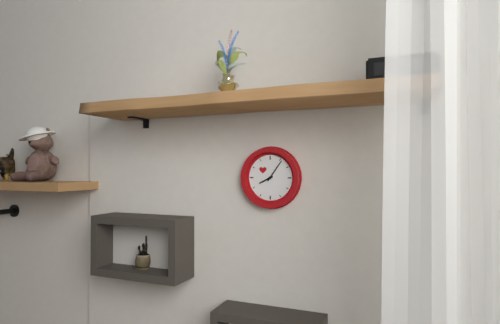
8:06
